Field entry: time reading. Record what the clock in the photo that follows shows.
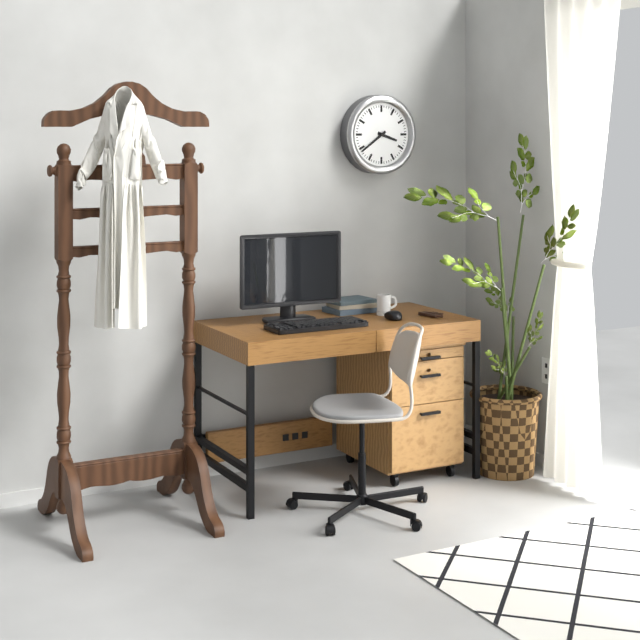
3:39
